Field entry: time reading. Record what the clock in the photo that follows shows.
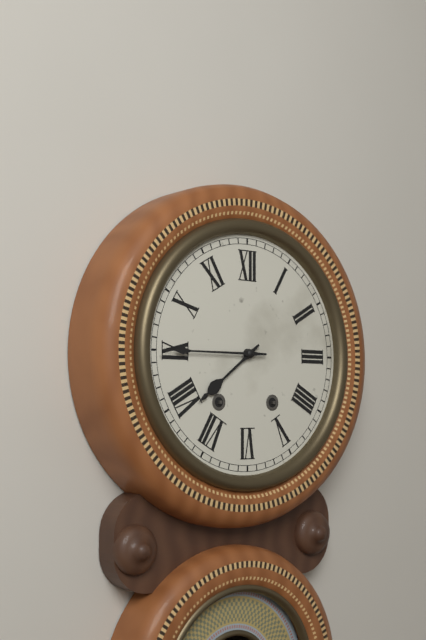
7:45
